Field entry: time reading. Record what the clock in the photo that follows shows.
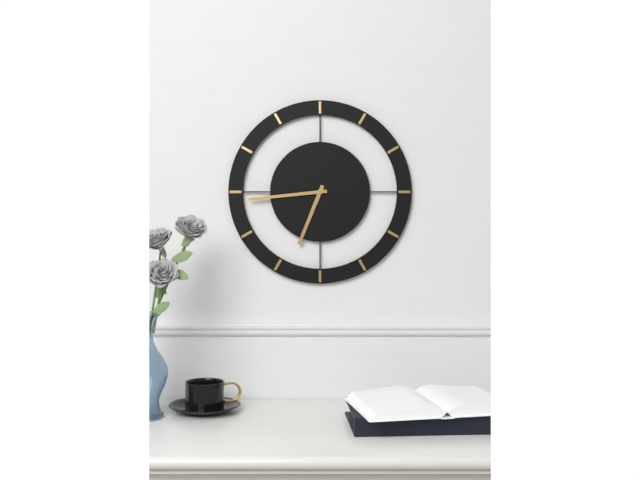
6:44
